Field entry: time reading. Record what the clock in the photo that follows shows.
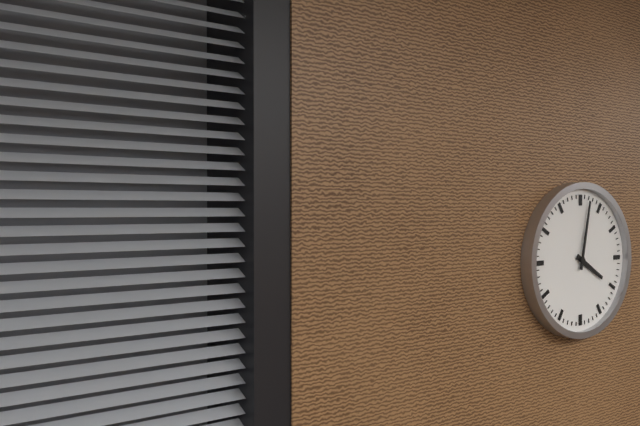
4:02
